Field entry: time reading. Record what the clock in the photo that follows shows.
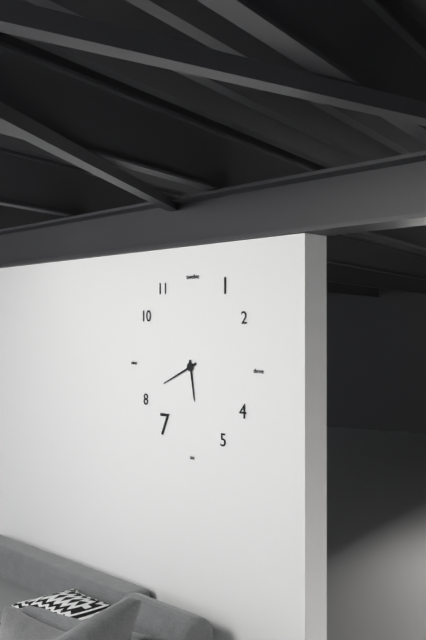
5:41
